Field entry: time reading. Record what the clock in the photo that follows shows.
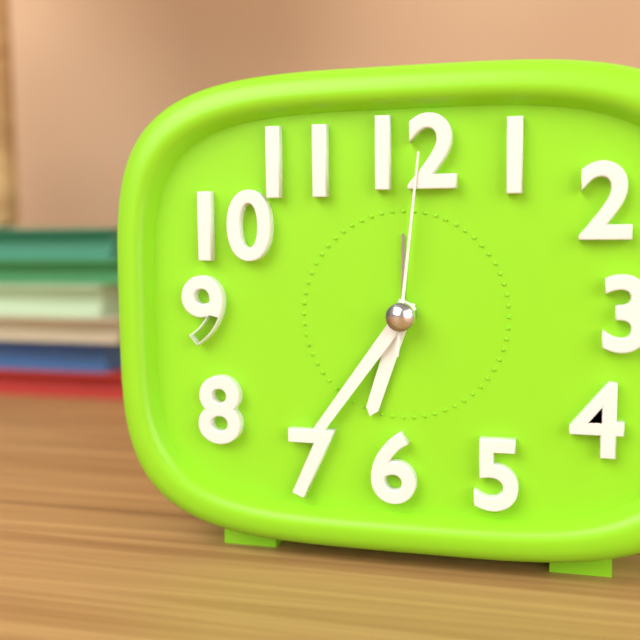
6:36:01
